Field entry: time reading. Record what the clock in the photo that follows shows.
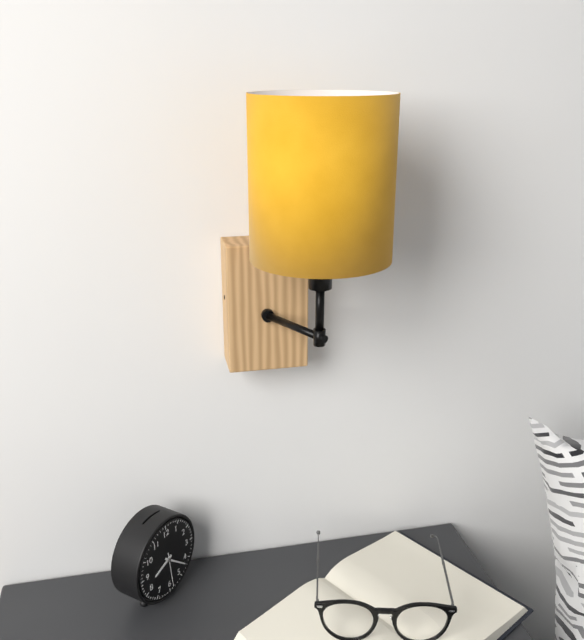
8:22
